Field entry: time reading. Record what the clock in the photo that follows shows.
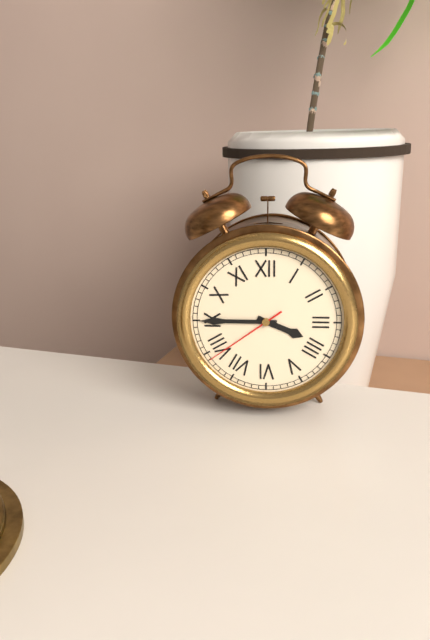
3:45:39
